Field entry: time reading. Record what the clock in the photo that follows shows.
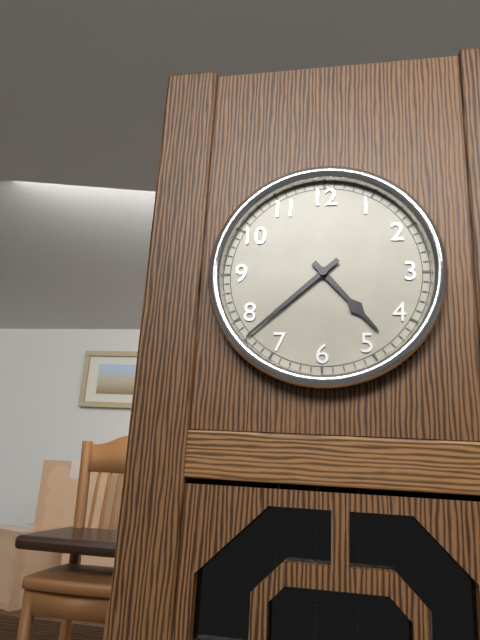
4:38
